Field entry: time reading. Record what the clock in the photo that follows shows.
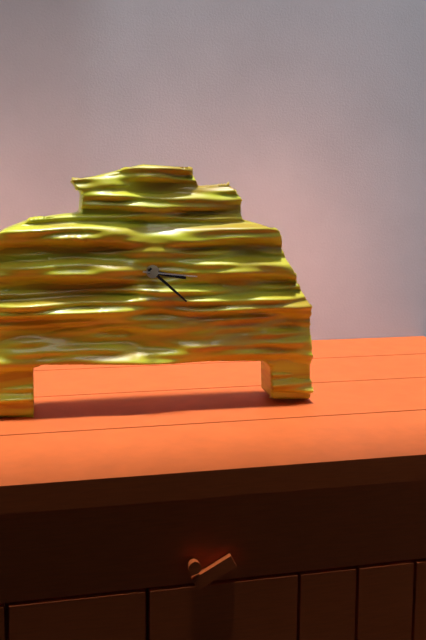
3:22:16
